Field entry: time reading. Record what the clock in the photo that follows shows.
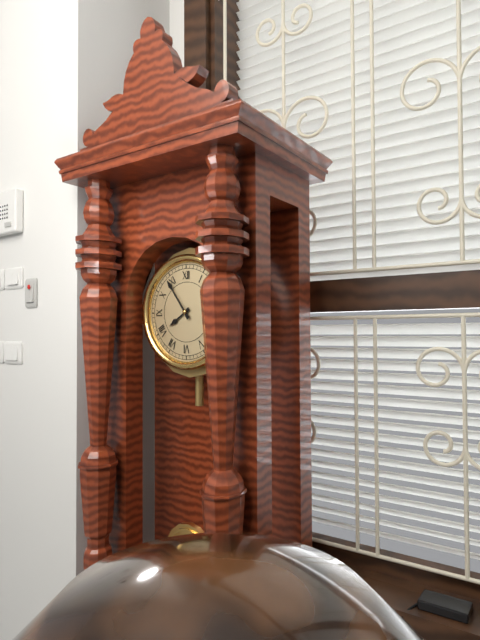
7:54
